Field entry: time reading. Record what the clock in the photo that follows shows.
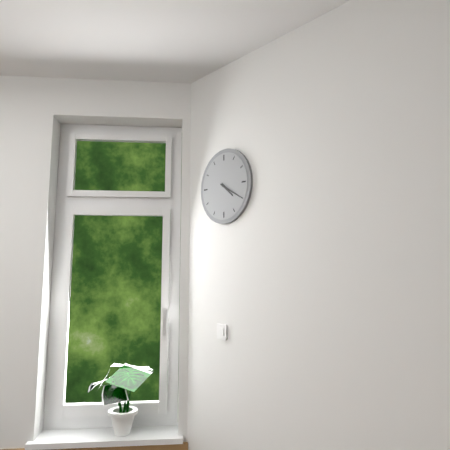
4:20
